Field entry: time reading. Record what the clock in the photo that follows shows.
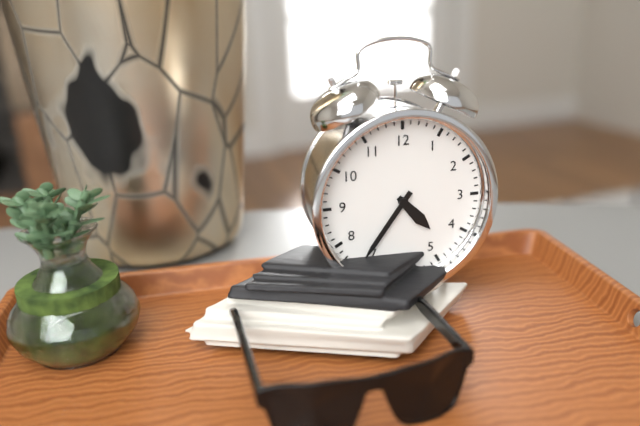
4:36
